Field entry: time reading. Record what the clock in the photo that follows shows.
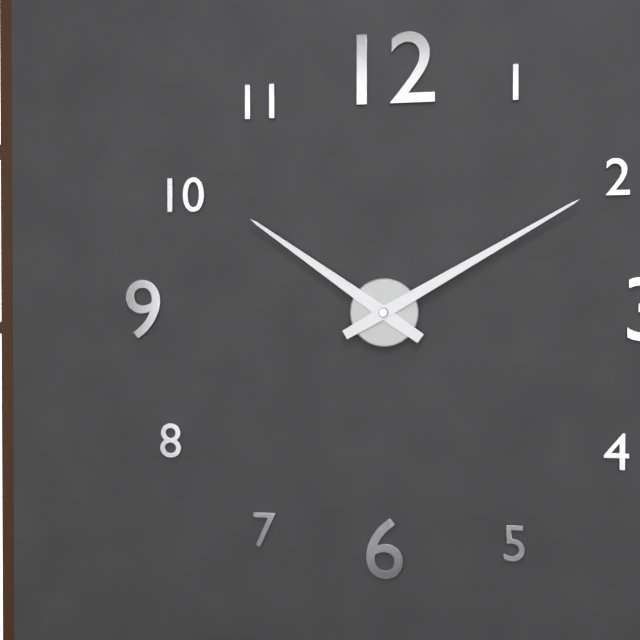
10:10
